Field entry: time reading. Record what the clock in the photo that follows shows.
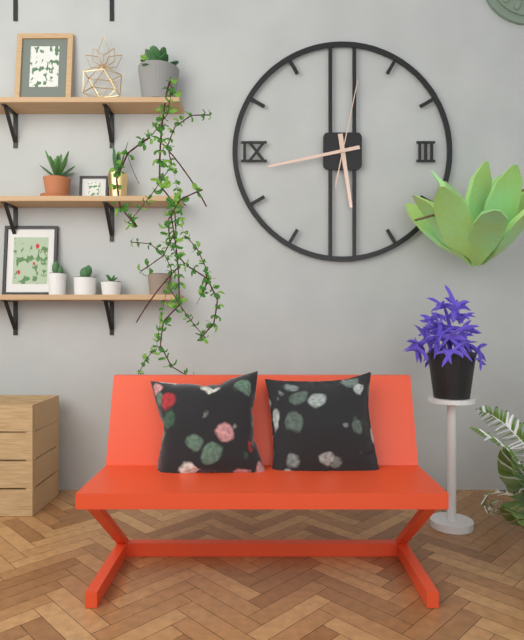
5:43:02
